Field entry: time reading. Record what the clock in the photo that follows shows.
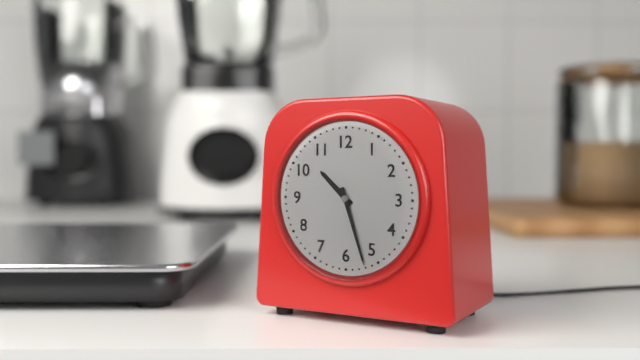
10:27
